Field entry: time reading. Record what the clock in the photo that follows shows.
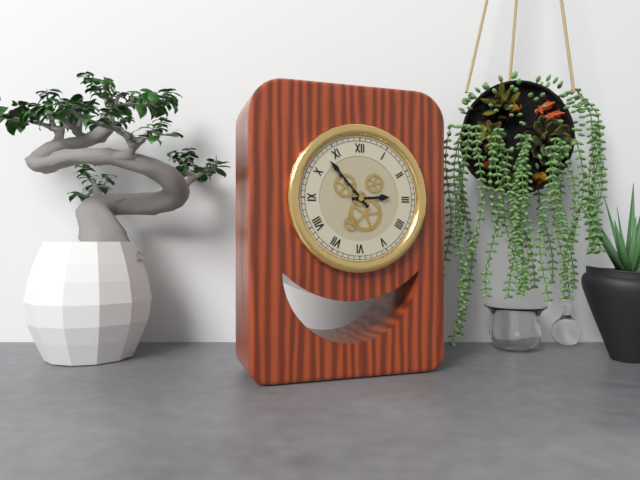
2:53
